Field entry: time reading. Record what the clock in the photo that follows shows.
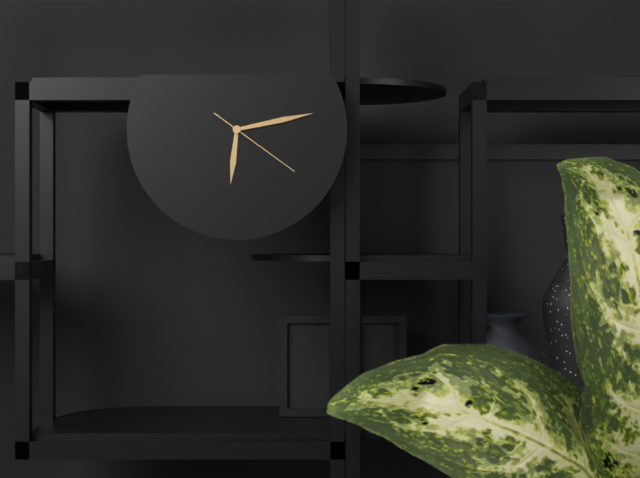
6:13:21
